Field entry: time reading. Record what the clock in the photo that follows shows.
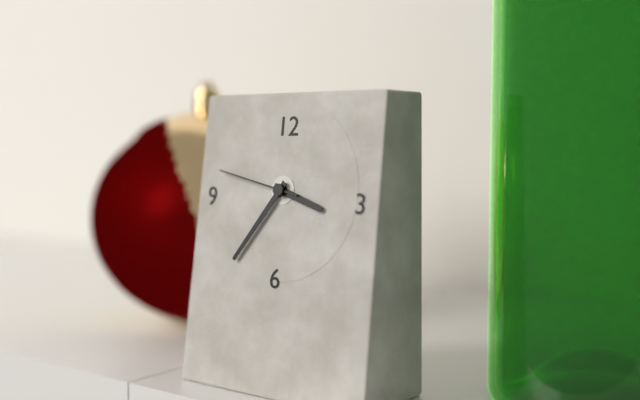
3:36:47
